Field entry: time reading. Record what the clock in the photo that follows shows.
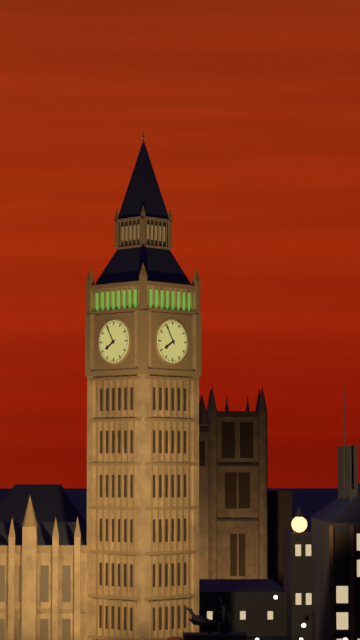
7:55
